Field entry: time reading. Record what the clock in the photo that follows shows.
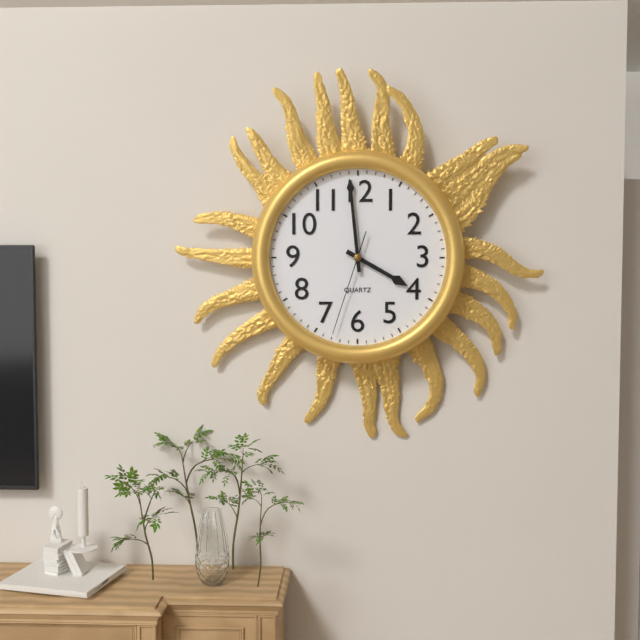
3:59:33
